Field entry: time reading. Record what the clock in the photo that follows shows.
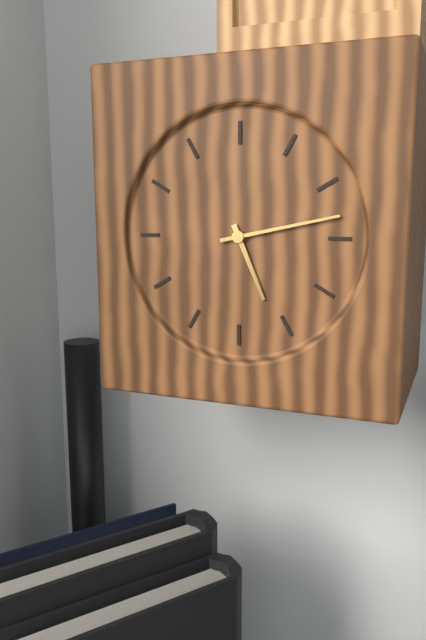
5:13
